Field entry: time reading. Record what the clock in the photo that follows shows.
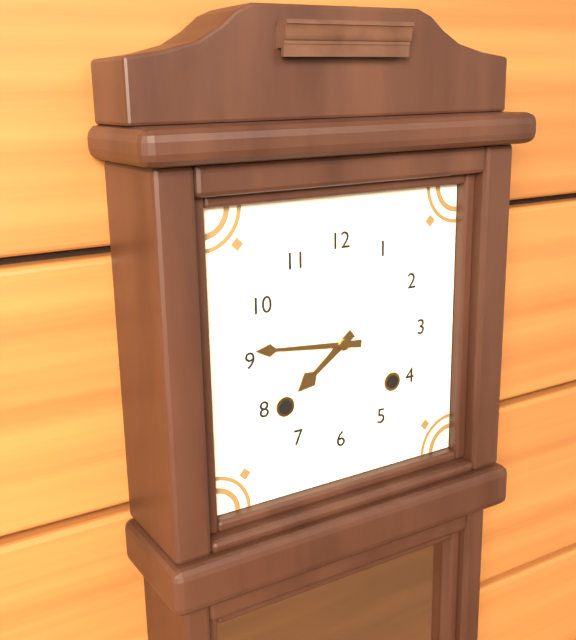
7:46
